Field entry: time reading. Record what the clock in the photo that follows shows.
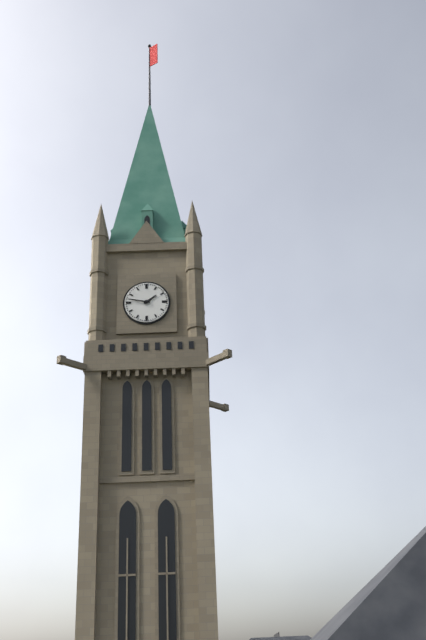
1:47
